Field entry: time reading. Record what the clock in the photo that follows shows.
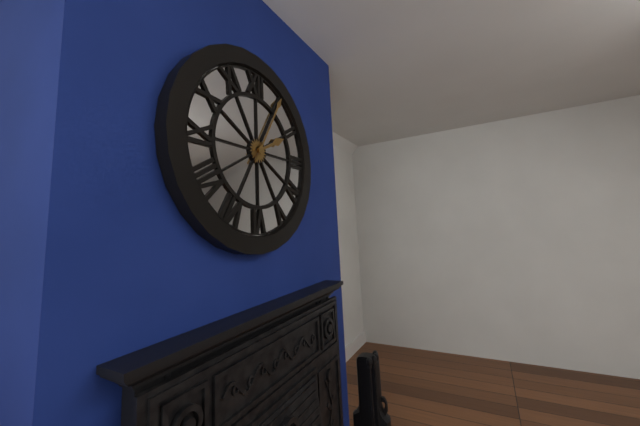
2:05
